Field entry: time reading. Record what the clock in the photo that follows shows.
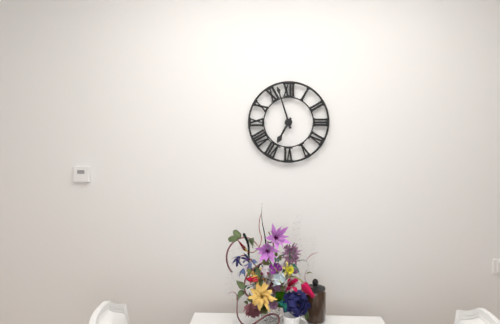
6:57
